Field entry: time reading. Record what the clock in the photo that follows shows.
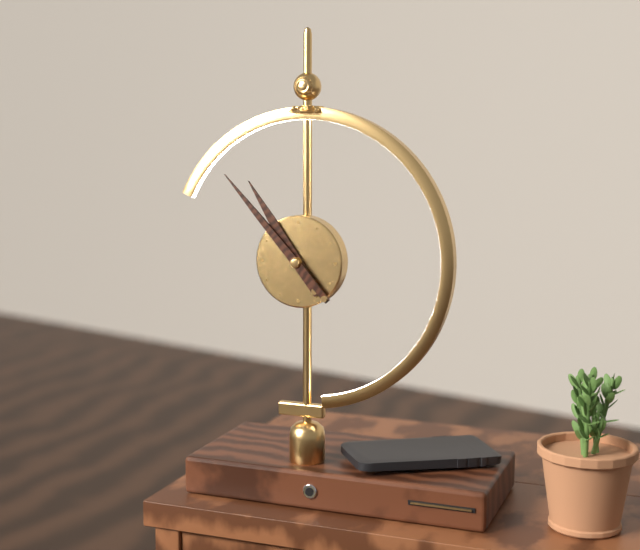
10:53
